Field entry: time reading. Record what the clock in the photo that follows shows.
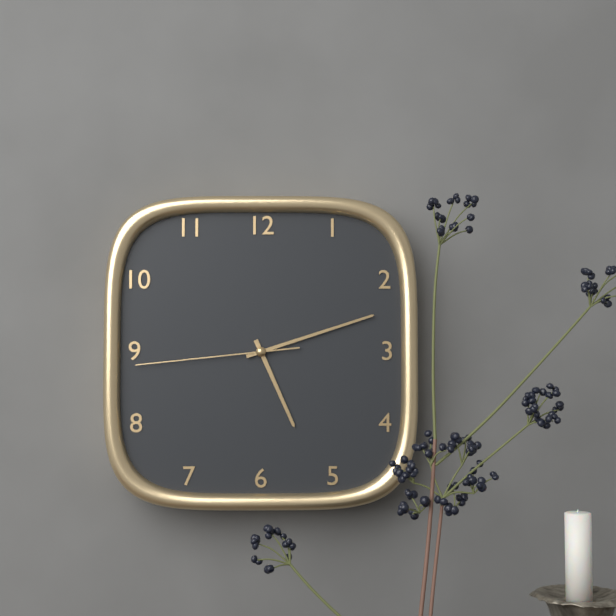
5:12:44
